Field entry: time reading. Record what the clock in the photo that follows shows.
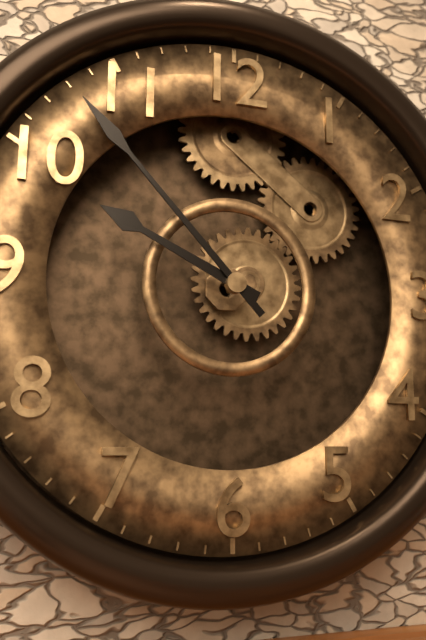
9:53
